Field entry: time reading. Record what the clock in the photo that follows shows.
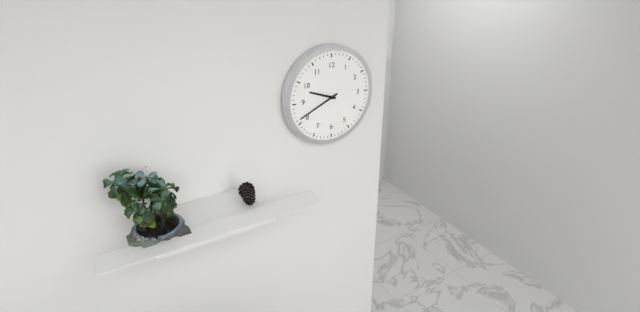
9:41
